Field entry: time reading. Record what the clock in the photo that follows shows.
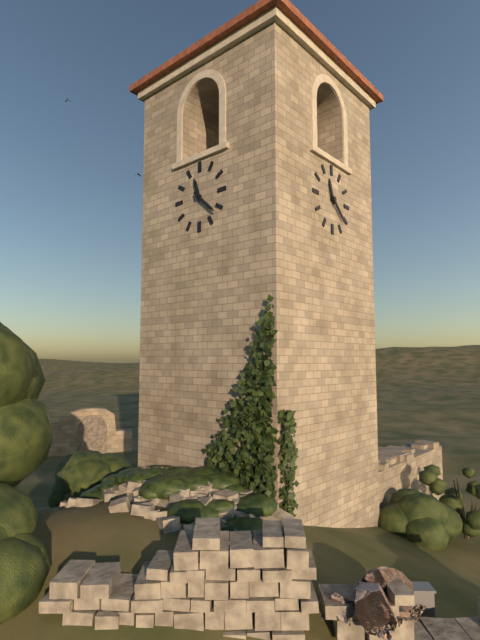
11:22
